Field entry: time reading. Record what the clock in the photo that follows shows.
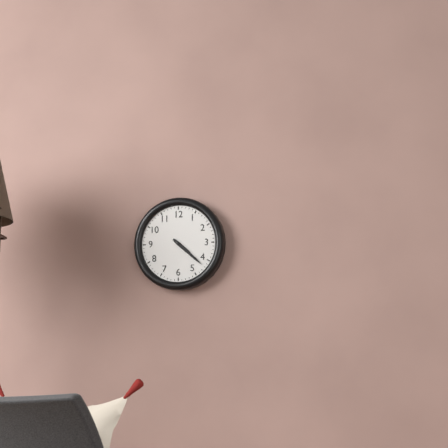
4:22
